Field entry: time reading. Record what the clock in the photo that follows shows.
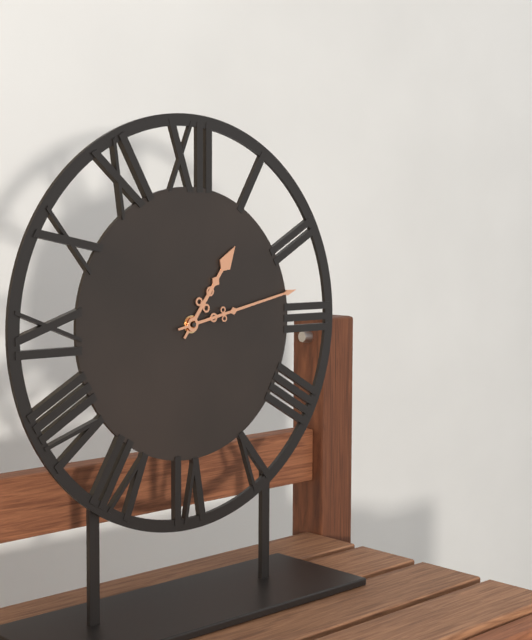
1:13
